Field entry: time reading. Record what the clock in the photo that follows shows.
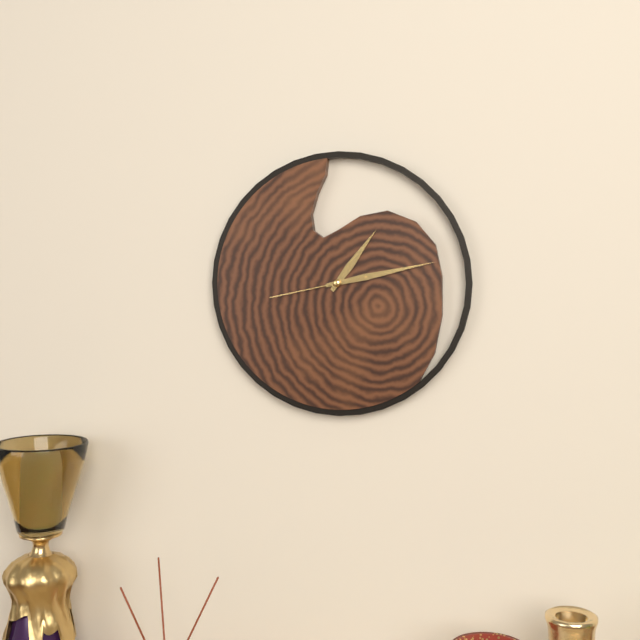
1:13:43
